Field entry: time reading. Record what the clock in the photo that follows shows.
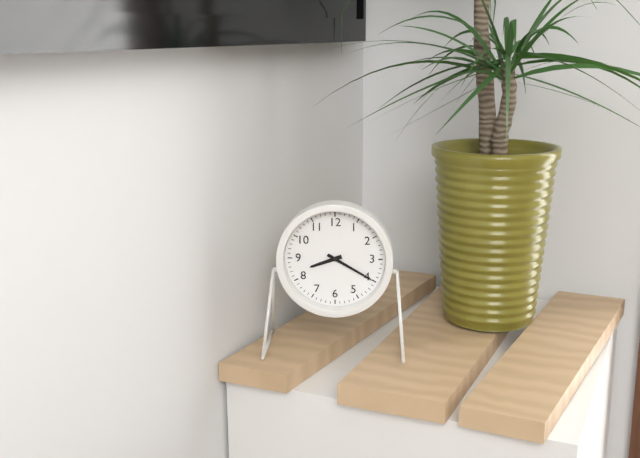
8:20
